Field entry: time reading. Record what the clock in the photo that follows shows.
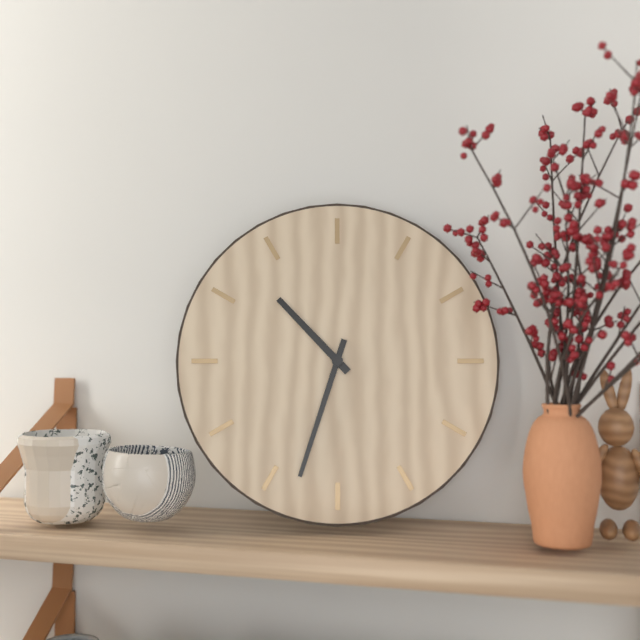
10:33
